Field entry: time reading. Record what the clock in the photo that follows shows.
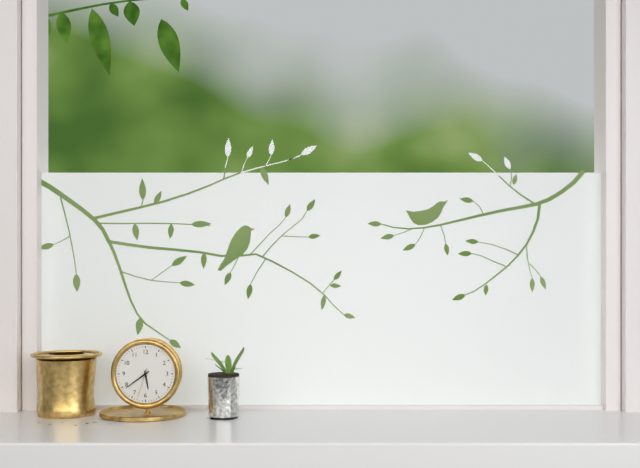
5:39
